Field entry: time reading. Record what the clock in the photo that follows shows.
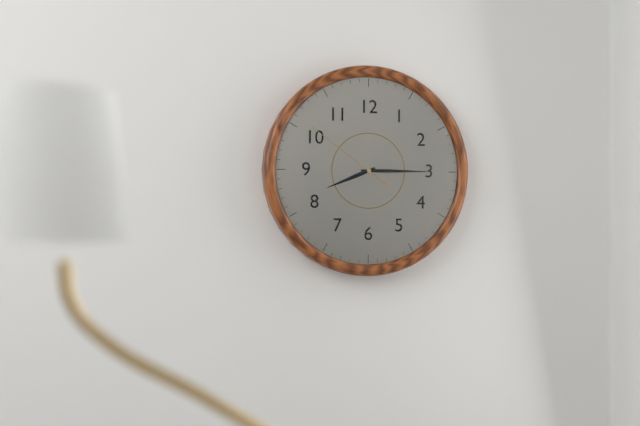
8:15:51
